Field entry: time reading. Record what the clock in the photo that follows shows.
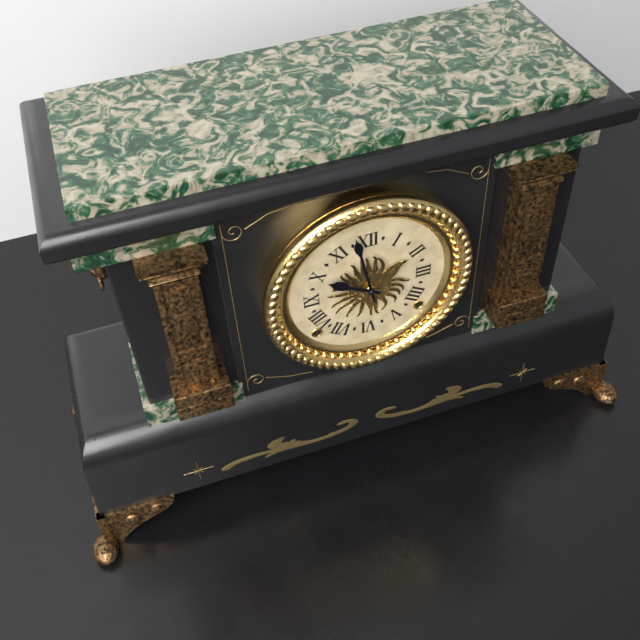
9:58
